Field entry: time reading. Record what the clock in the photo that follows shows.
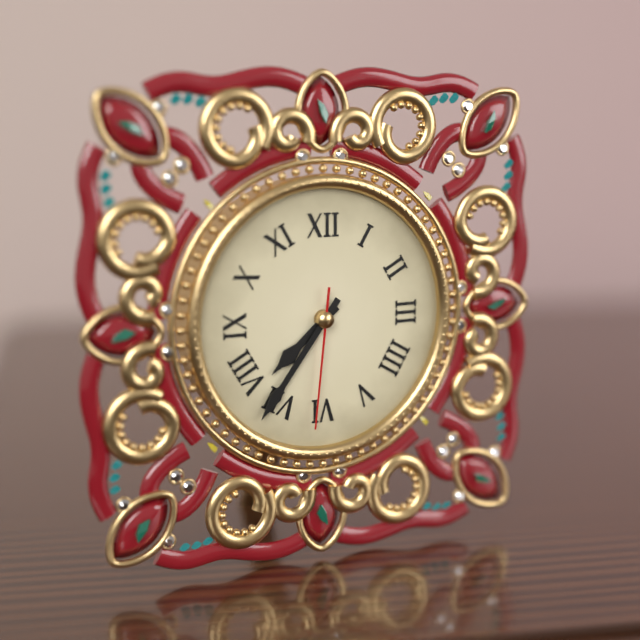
7:36:31
